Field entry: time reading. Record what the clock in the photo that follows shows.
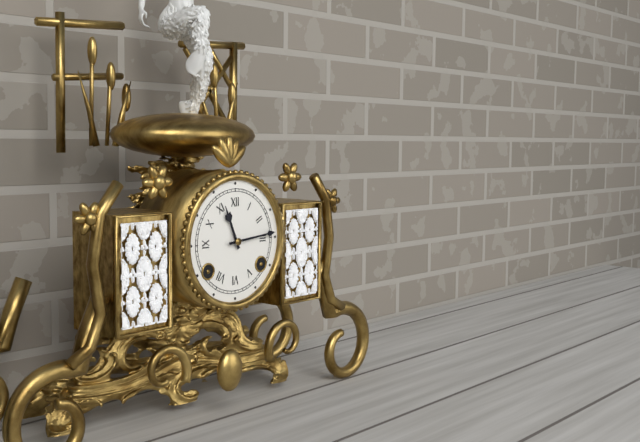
11:14
